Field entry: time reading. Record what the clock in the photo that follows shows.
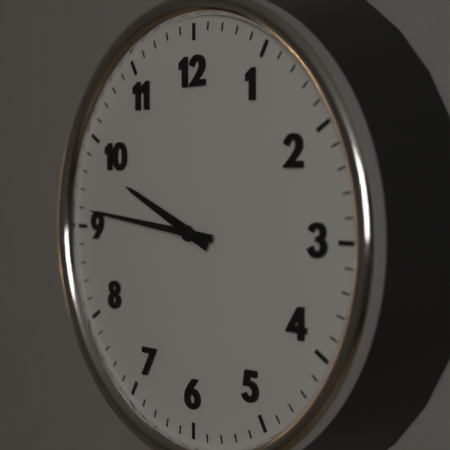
9:46
